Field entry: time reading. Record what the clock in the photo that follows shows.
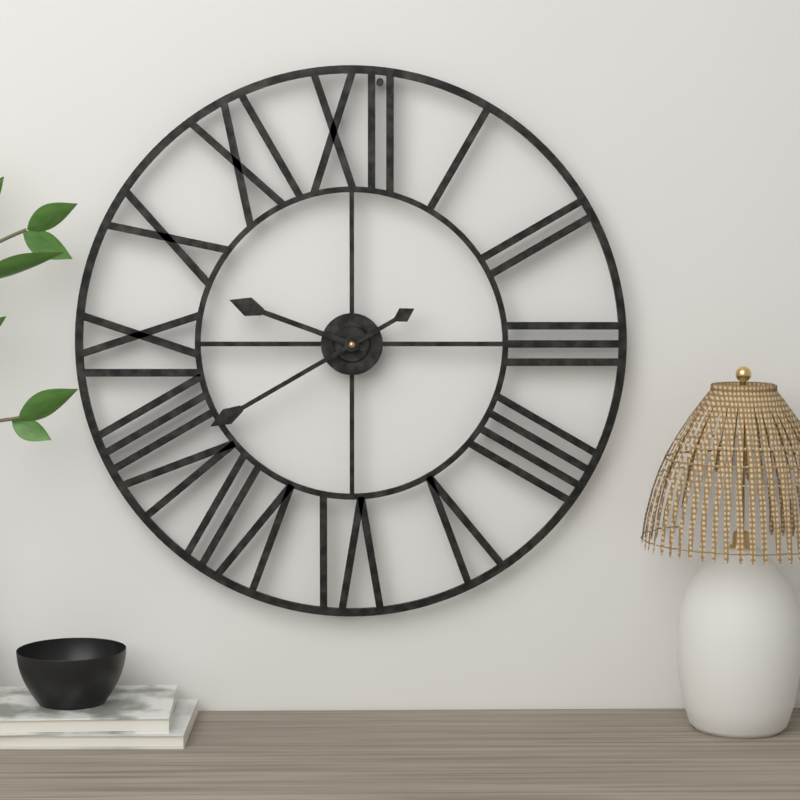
9:40
